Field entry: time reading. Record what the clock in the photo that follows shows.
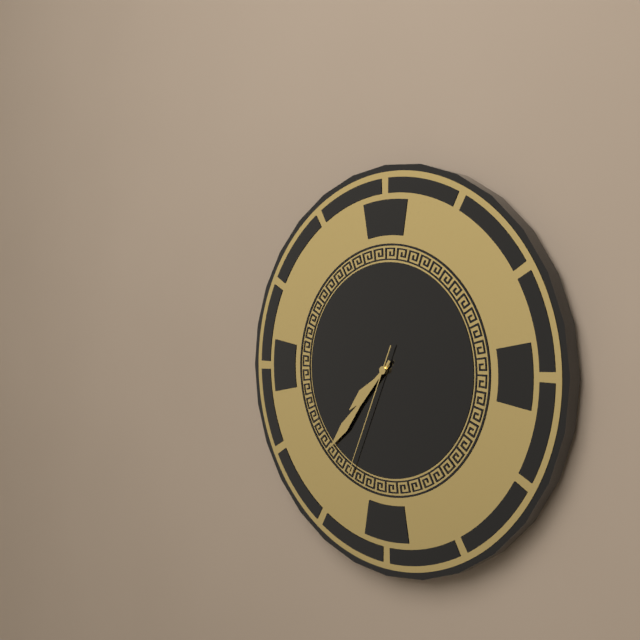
7:37:34
